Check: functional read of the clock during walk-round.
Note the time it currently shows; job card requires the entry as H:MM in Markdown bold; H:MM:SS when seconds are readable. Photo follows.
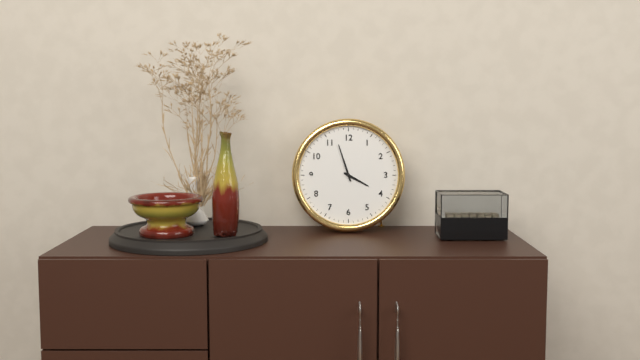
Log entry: **3:57**
